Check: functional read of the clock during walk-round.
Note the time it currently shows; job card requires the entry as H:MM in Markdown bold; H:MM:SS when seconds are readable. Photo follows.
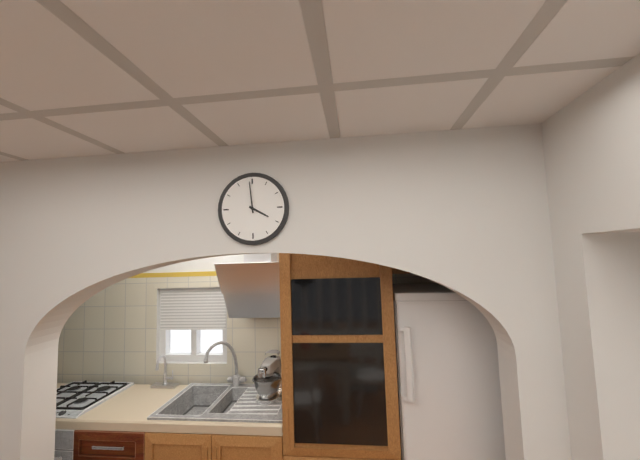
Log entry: **3:59**
